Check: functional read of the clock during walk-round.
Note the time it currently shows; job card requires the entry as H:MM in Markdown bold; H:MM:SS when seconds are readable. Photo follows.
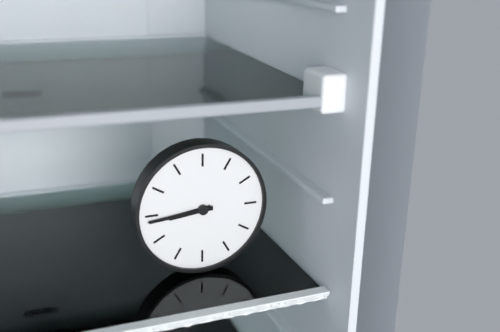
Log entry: **8:44**
